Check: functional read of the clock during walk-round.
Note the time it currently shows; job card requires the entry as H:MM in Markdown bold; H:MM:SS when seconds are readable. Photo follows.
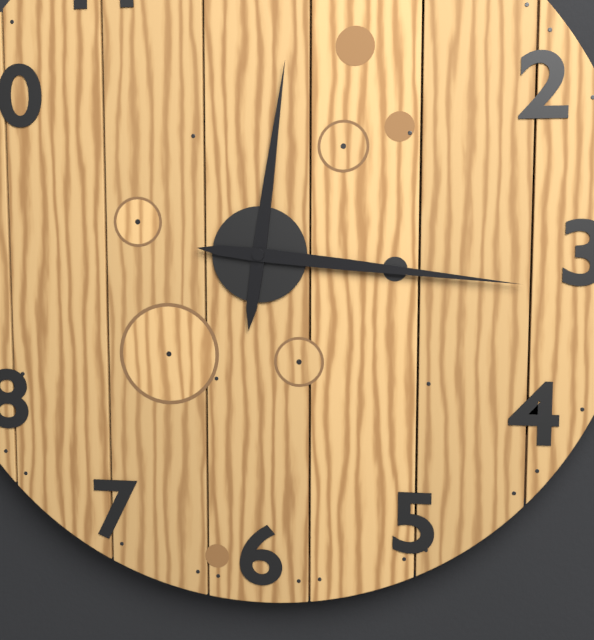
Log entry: **12:16**
